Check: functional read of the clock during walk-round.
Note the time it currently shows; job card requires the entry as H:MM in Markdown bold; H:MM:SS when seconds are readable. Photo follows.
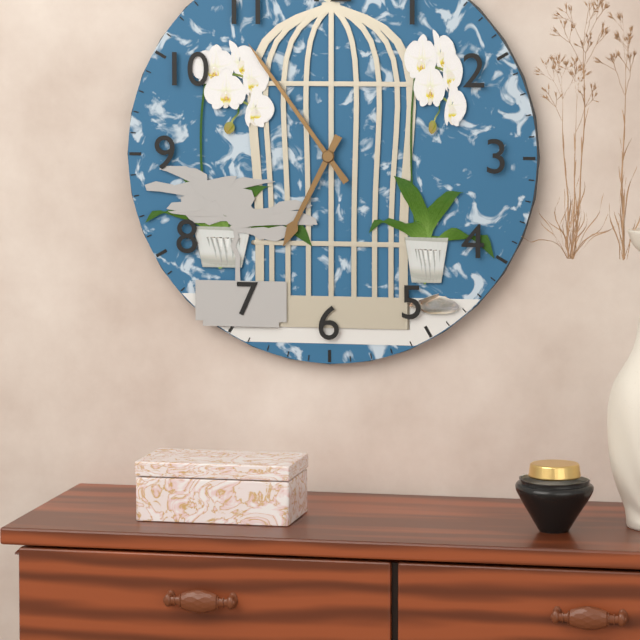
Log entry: **6:54**
